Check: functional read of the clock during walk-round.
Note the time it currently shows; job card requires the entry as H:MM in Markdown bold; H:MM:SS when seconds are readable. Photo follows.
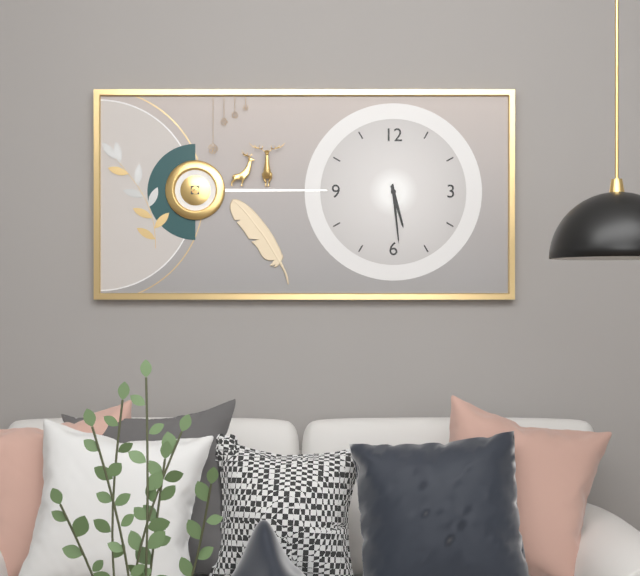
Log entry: **5:29**
